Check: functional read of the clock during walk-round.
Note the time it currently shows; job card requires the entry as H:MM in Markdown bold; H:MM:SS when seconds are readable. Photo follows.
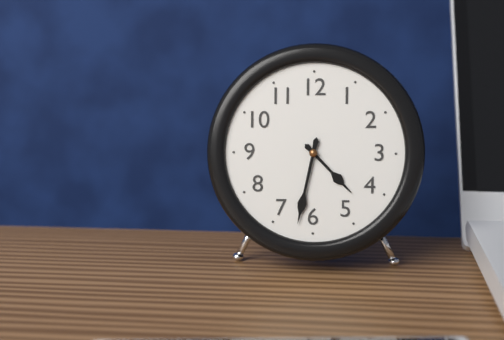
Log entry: **4:32**
